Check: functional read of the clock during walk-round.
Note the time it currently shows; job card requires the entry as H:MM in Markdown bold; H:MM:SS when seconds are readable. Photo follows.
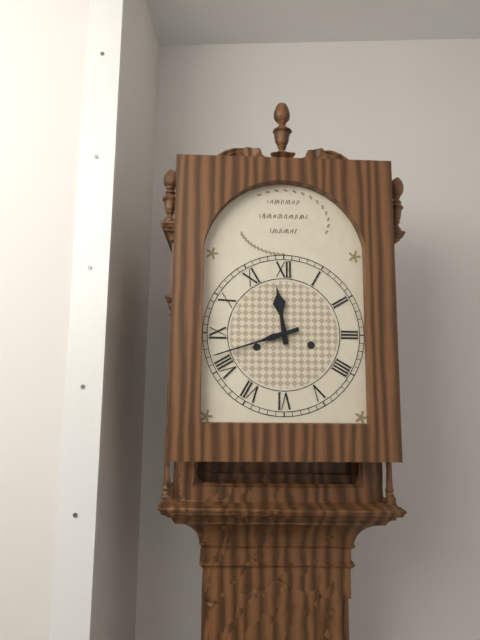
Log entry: **11:42**
